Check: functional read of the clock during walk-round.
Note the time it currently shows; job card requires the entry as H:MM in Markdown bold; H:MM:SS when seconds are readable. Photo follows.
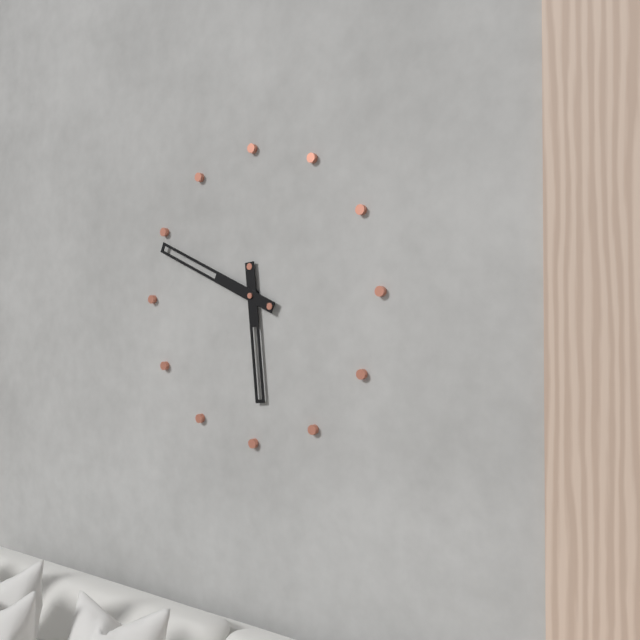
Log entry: **5:49**
